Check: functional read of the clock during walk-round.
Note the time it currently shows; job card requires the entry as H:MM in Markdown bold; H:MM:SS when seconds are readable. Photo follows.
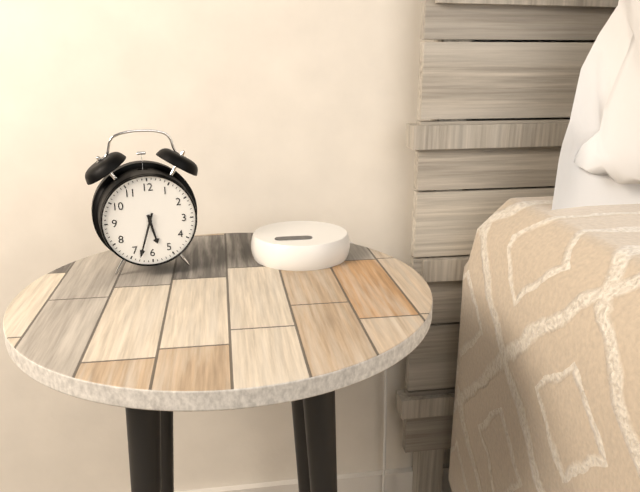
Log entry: **5:33**
